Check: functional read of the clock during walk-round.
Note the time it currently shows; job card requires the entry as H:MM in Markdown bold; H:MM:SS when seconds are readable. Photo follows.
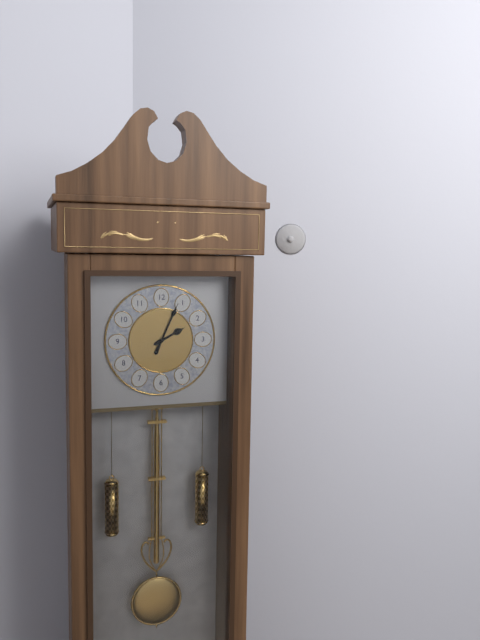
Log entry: **2:04**
